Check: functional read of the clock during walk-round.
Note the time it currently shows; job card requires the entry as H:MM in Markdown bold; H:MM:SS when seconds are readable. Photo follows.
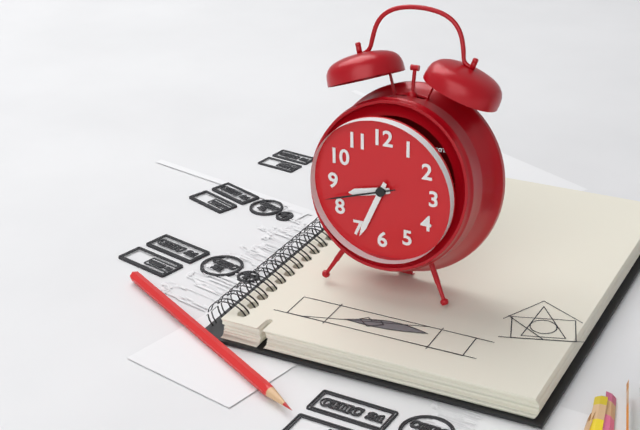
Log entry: **8:34:42**
